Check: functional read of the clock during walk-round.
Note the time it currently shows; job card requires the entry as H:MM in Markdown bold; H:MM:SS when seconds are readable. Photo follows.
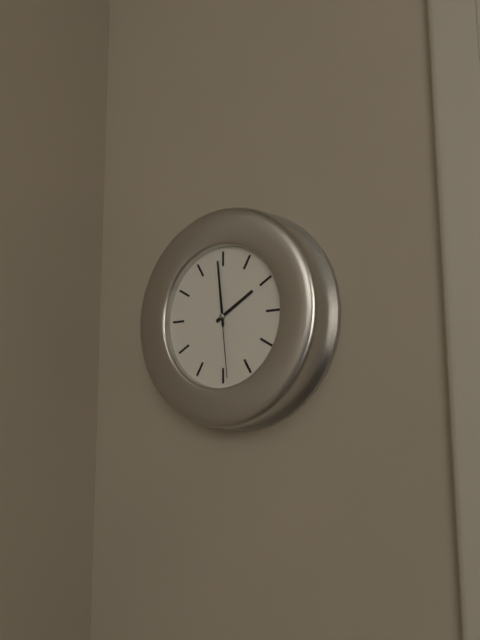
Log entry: **1:59:29**
